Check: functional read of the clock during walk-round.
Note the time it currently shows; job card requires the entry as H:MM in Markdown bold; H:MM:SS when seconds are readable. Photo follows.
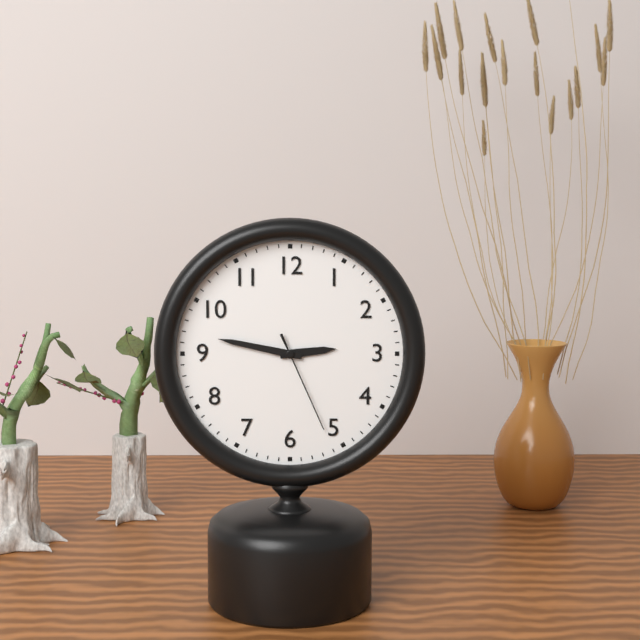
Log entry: **2:47:26**
